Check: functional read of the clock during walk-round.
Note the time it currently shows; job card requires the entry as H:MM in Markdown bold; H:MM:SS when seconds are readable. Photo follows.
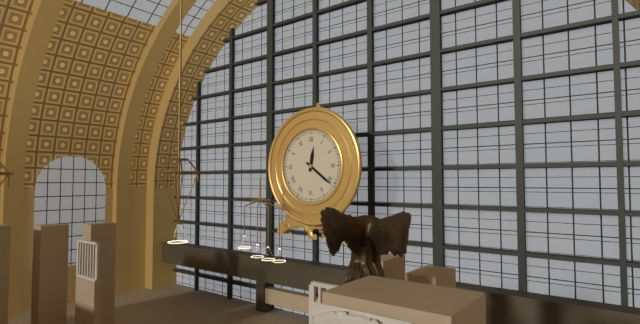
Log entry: **12:21**
